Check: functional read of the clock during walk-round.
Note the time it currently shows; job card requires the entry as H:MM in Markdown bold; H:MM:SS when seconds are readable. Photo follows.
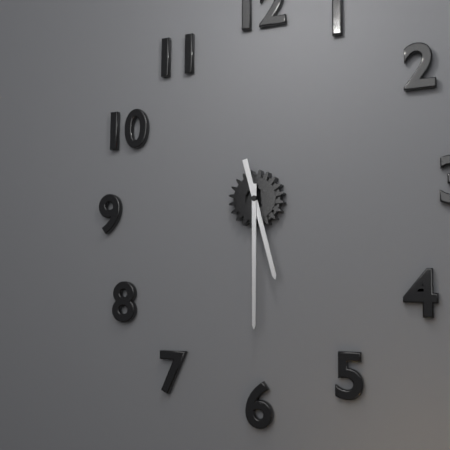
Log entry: **5:30**
